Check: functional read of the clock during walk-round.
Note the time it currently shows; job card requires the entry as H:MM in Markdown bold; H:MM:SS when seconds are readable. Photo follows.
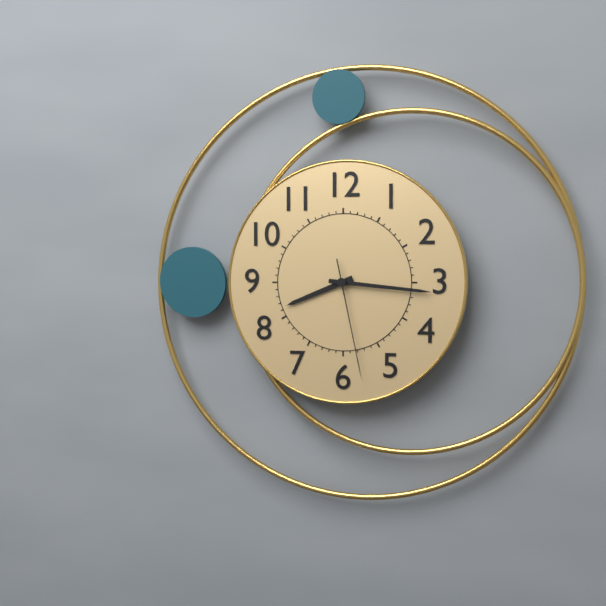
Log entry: **8:16:28**
